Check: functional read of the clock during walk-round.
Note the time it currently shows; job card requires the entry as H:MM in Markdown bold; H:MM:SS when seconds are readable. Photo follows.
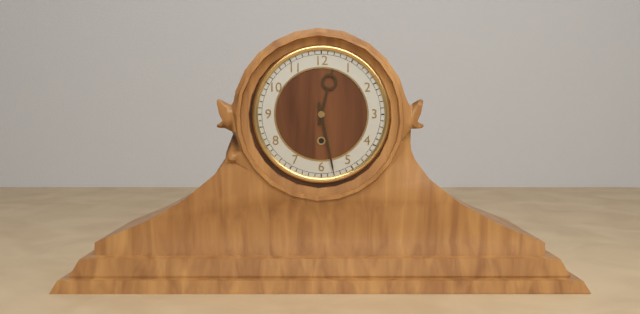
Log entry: **12:28**
